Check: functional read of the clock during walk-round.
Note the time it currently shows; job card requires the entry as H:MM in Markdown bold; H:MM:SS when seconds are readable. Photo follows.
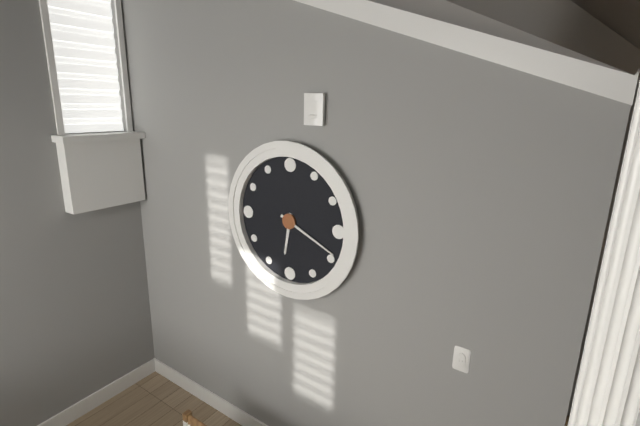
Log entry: **6:19**
